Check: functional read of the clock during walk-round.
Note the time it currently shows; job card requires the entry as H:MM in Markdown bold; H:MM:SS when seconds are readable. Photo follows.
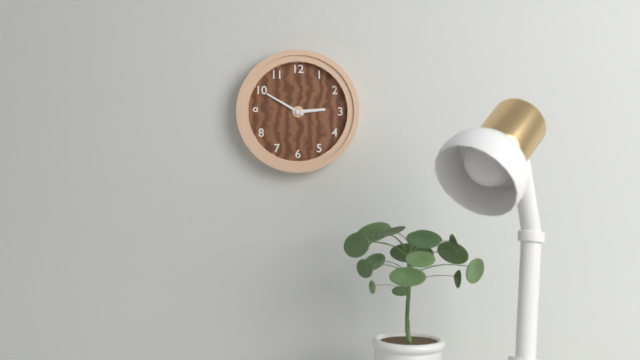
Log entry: **2:50**
